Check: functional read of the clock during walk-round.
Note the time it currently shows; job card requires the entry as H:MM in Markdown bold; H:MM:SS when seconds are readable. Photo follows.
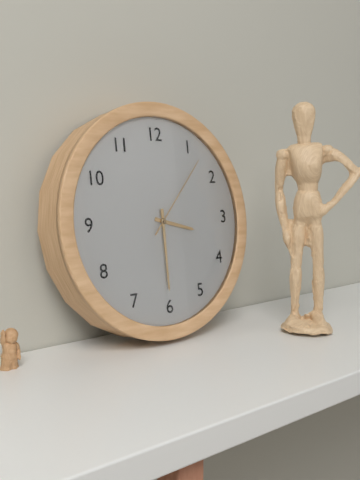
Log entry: **3:30:07**
